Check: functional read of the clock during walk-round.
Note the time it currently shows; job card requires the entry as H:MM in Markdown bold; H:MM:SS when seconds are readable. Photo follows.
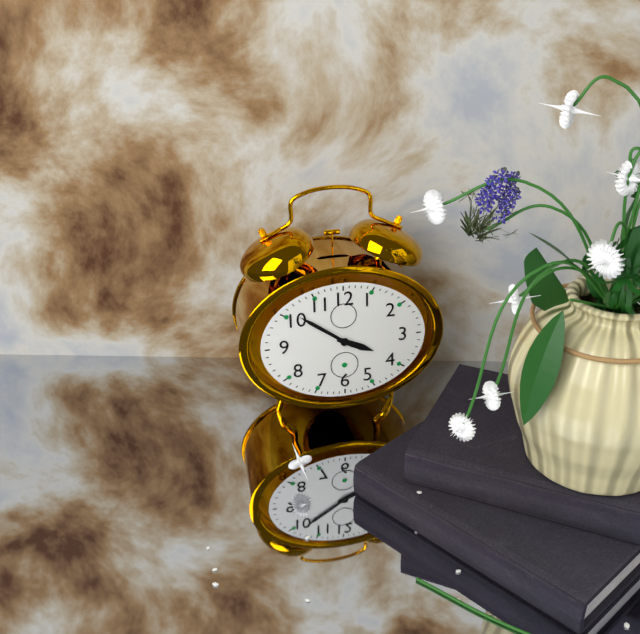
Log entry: **3:51**
